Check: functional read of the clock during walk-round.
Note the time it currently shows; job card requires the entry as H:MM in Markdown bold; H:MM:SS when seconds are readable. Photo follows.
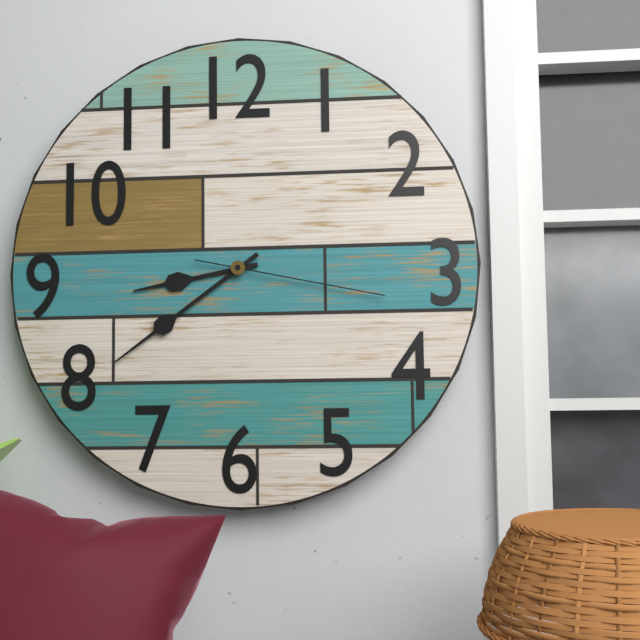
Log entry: **8:39:17**
